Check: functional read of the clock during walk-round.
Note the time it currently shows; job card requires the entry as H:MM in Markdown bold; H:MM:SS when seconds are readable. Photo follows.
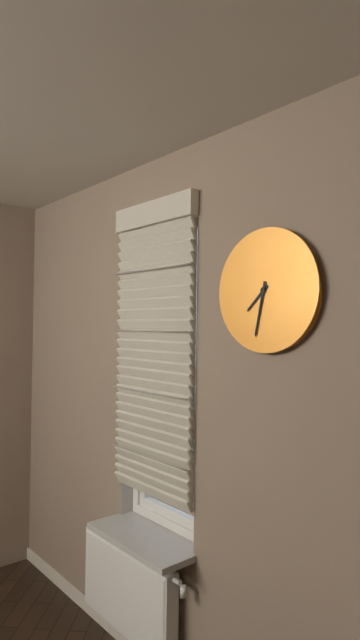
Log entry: **7:32**
